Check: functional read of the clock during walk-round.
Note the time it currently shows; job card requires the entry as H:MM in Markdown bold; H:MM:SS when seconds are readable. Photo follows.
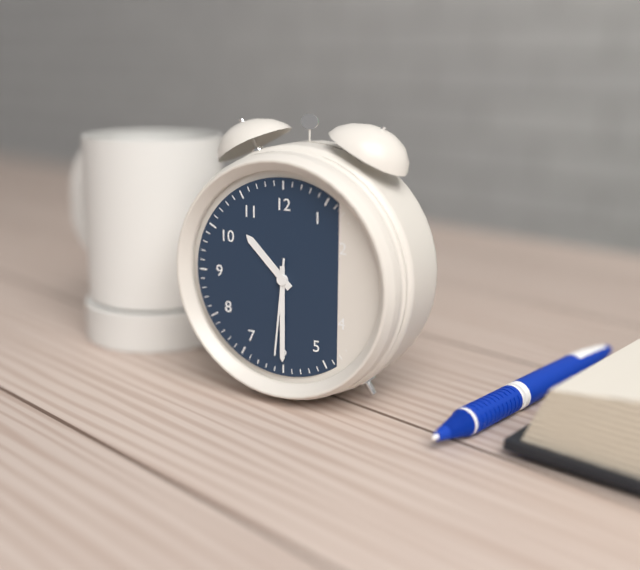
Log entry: **10:30:31**
